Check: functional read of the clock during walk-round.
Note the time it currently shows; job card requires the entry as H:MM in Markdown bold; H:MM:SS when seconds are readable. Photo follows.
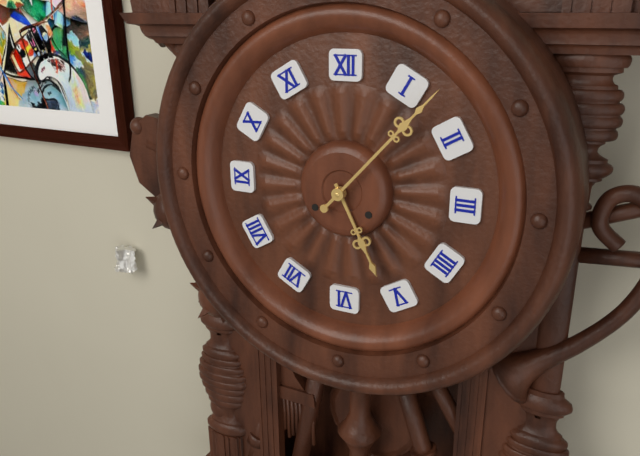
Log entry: **5:07**
